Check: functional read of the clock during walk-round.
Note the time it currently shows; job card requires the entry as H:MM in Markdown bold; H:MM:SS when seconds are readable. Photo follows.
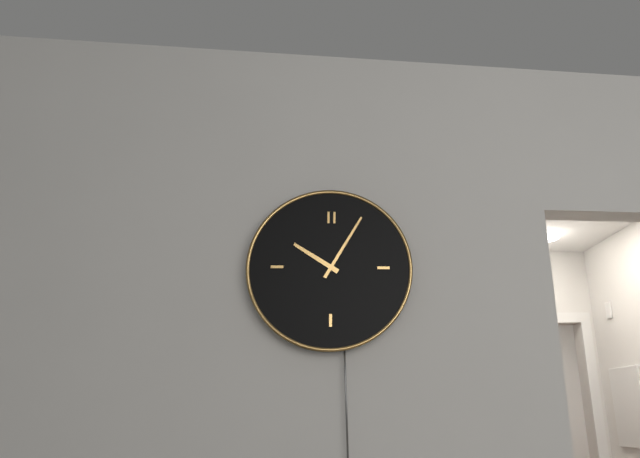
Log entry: **10:05**
